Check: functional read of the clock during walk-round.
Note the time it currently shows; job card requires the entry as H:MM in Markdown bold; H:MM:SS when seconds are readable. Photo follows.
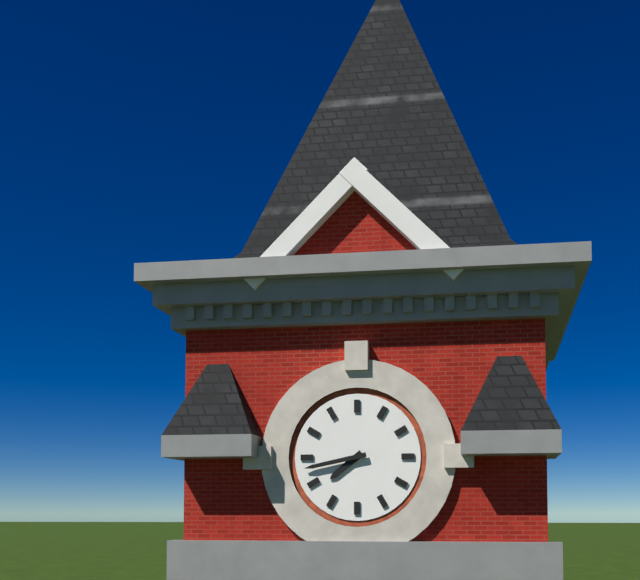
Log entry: **7:43**
